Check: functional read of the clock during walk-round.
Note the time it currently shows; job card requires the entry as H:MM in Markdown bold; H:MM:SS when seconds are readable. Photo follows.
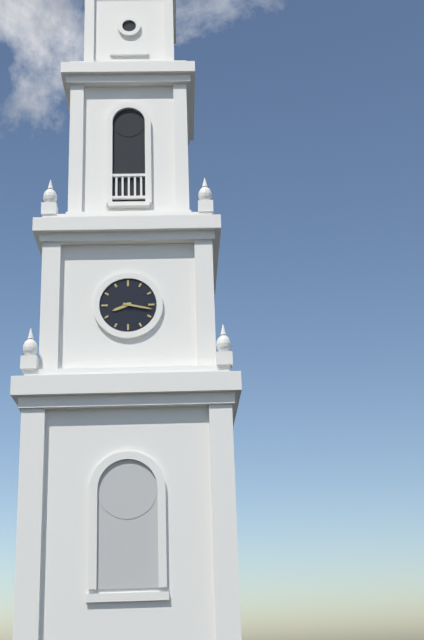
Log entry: **8:17**
